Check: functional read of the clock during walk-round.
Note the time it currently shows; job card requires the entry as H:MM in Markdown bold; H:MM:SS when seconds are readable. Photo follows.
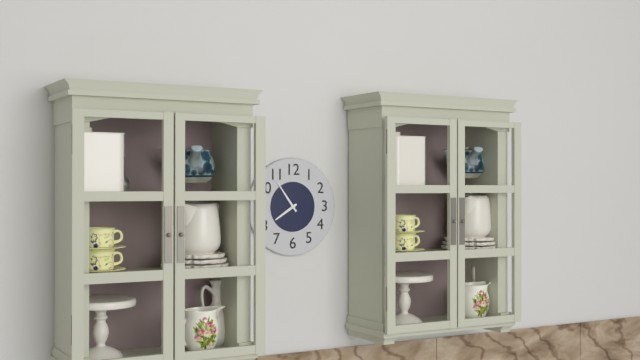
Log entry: **7:54**
